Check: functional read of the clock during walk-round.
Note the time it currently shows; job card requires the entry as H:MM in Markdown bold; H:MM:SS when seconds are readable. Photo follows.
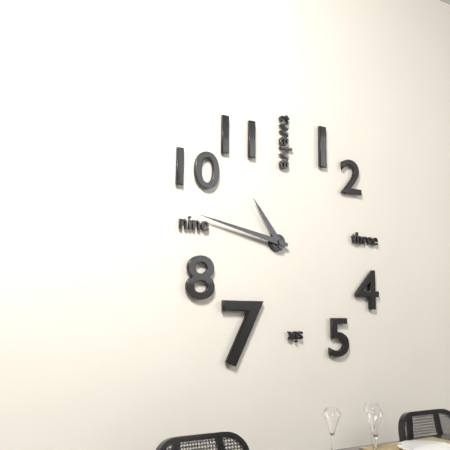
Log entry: **10:47**
